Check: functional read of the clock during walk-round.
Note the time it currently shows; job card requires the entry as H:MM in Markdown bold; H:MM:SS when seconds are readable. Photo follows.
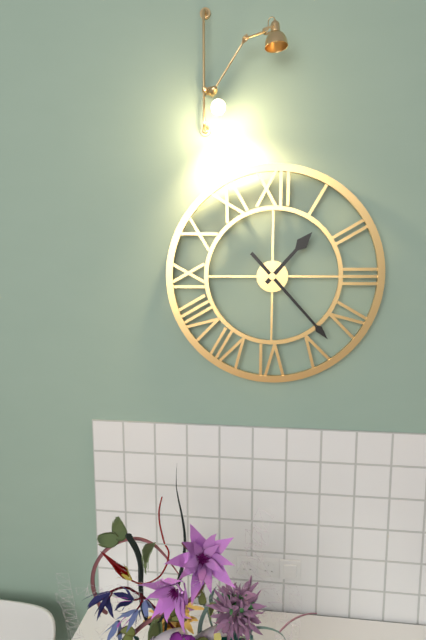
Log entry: **1:23**
